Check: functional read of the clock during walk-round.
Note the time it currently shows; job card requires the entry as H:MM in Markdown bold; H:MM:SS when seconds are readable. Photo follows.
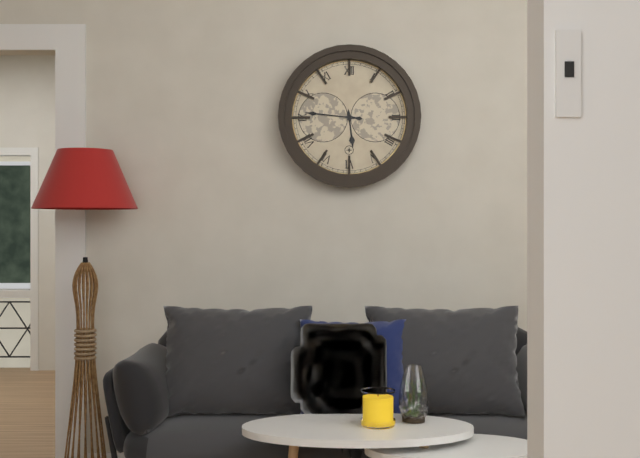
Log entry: **5:46**
